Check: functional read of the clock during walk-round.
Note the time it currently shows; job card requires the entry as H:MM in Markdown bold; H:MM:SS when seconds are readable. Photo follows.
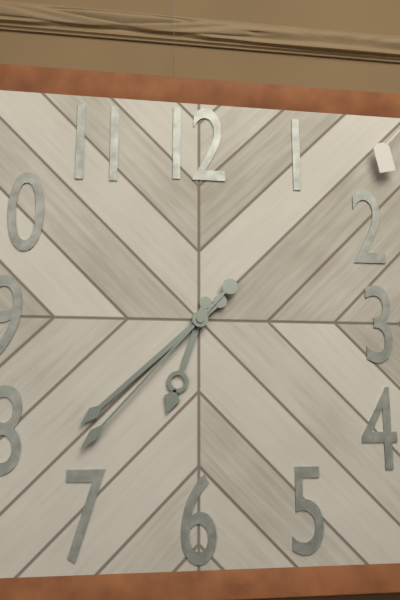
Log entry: **6:38:37**
